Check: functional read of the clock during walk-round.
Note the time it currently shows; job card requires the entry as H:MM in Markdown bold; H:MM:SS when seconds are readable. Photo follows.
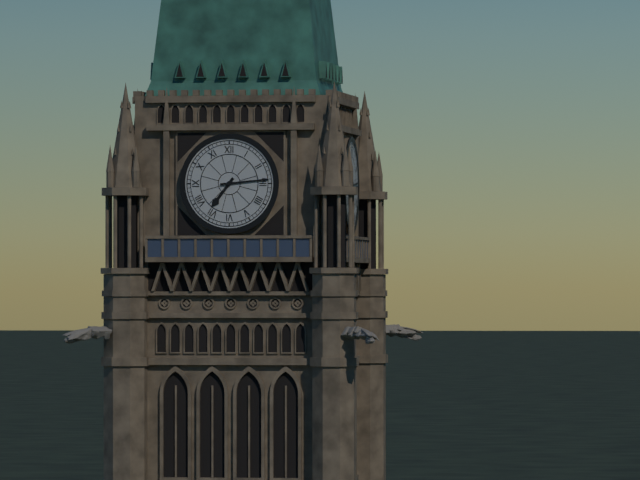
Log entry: **7:14**
